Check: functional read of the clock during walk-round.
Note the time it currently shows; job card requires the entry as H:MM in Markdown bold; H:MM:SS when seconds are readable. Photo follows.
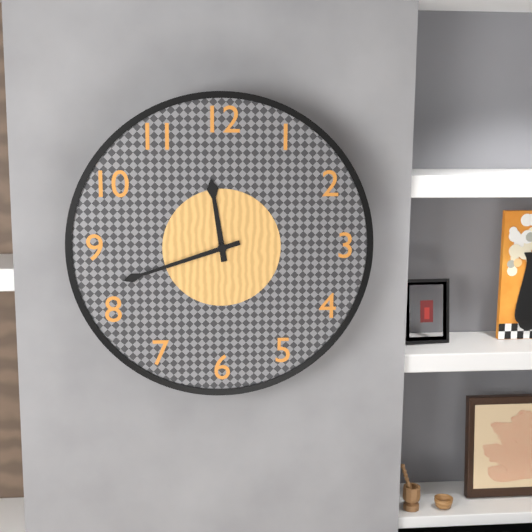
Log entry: **11:42**
